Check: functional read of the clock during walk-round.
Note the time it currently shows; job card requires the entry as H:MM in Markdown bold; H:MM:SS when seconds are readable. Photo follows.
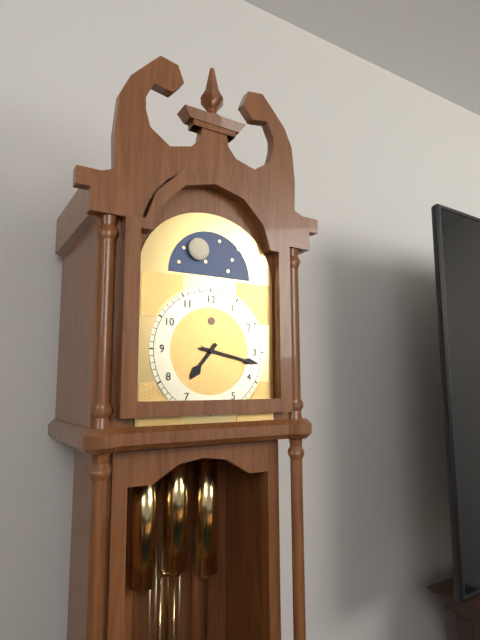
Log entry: **7:17**
